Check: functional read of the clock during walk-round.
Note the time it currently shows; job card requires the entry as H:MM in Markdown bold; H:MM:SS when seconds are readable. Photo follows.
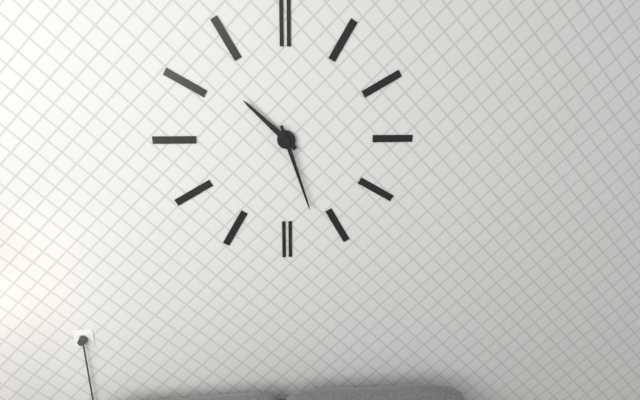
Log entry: **10:27**
